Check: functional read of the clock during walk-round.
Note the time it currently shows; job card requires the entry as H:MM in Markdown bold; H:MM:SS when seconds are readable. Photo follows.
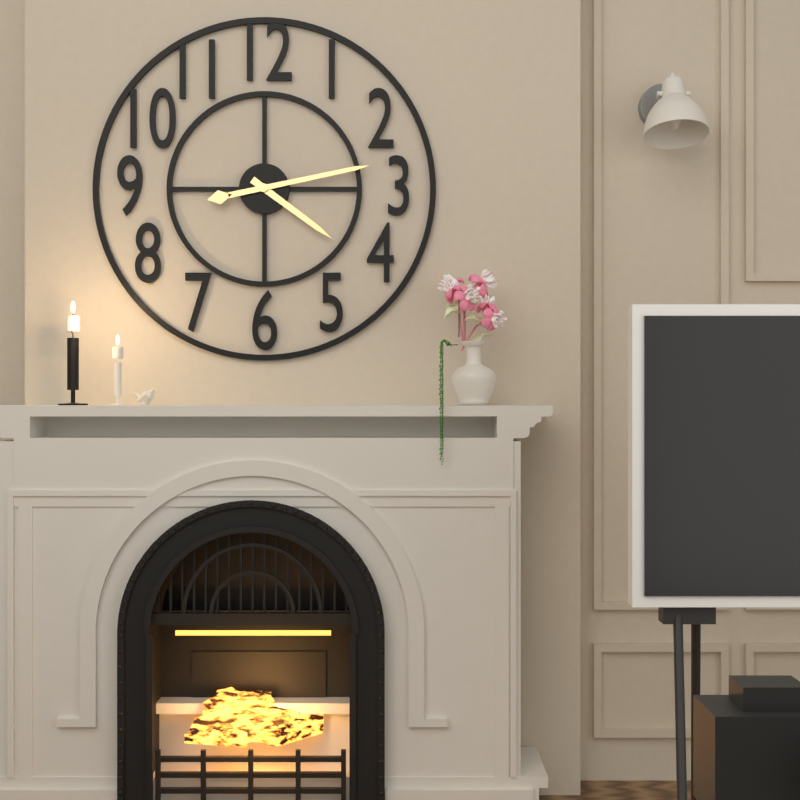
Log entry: **4:13**
